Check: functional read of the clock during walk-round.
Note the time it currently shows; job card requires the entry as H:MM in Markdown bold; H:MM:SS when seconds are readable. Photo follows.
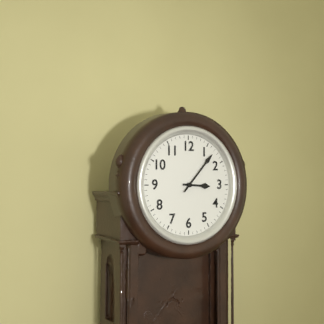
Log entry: **3:07**
